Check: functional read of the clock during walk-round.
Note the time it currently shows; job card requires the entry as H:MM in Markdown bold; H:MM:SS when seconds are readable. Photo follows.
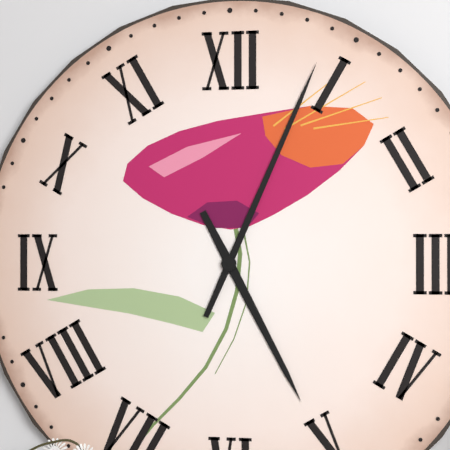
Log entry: **5:04**
